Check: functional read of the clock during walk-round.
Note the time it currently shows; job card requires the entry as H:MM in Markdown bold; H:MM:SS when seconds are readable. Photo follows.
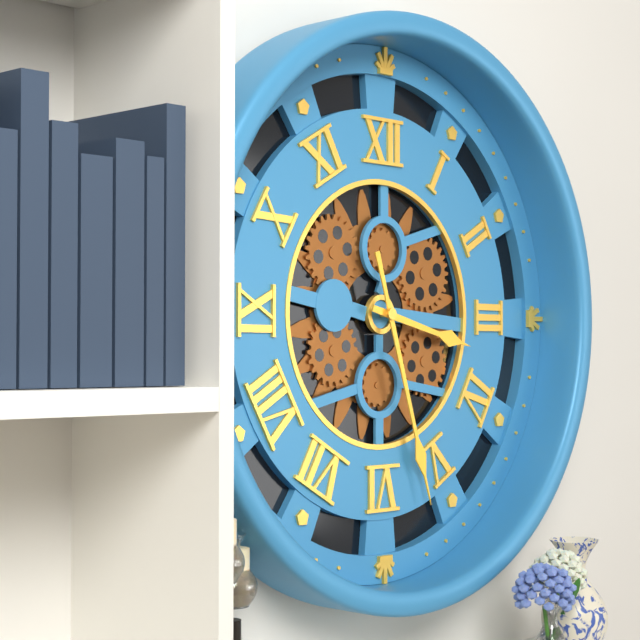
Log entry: **3:27**
